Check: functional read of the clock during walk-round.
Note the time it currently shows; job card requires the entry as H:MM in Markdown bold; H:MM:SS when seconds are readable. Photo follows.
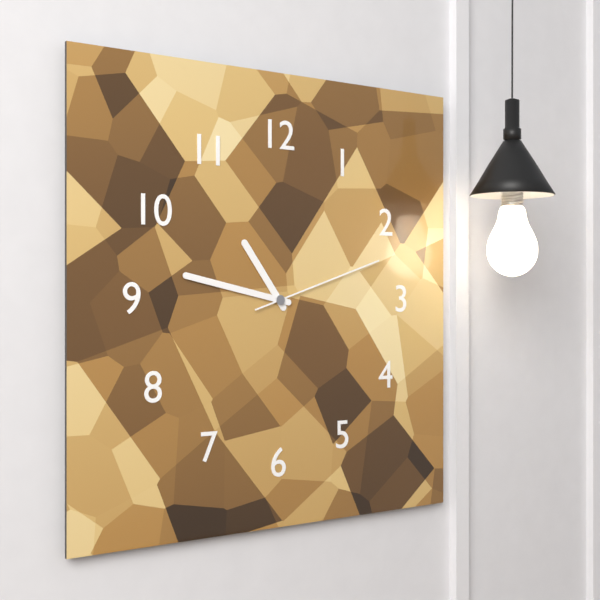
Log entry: **10:47:12**
